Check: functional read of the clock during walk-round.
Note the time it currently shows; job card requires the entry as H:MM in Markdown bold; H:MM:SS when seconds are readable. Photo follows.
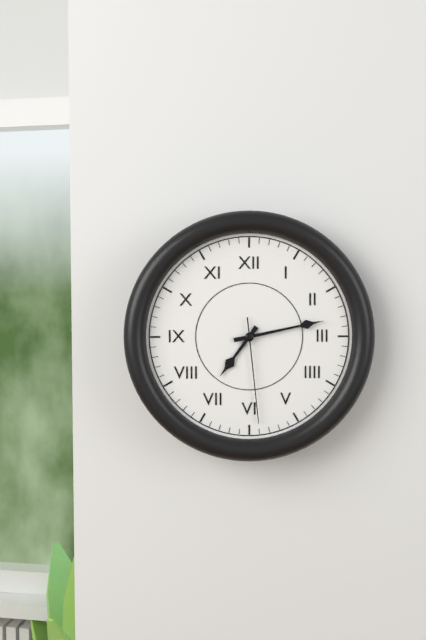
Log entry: **7:13:29**
